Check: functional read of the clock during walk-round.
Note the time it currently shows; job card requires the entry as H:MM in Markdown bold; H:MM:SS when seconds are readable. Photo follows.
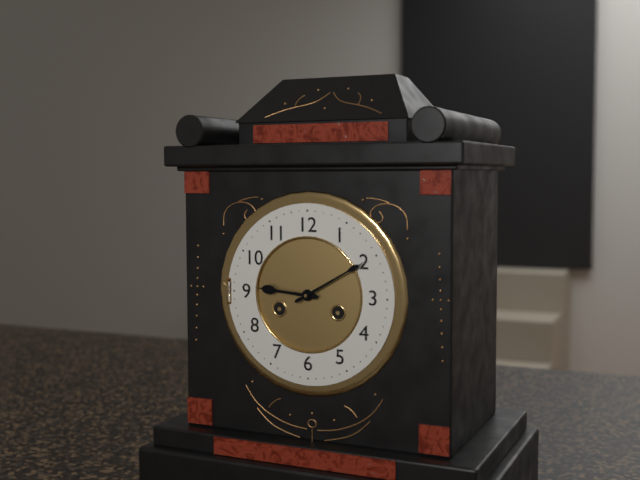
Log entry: **9:10**
